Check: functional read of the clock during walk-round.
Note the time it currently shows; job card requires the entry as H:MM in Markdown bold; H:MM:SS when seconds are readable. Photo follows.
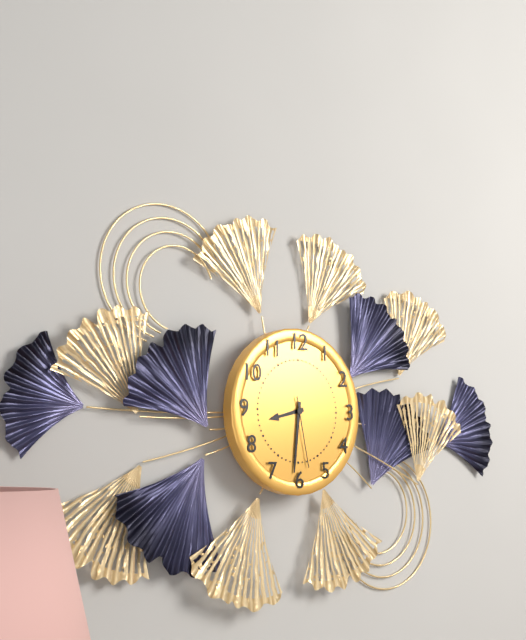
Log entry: **8:31:28**
